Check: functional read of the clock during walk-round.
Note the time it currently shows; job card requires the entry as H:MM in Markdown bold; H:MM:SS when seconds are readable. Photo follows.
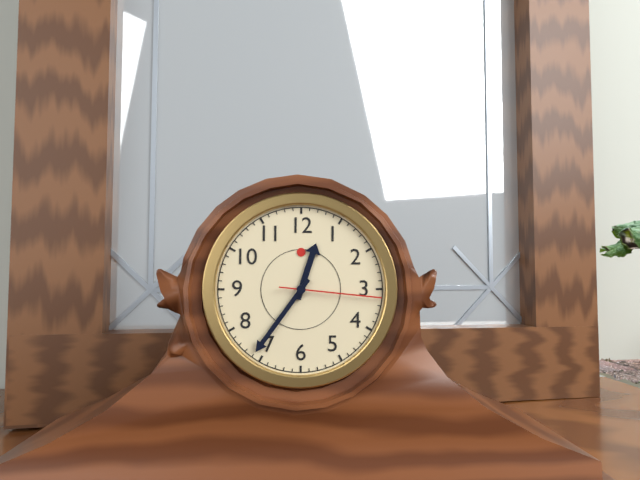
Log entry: **12:36:16**
